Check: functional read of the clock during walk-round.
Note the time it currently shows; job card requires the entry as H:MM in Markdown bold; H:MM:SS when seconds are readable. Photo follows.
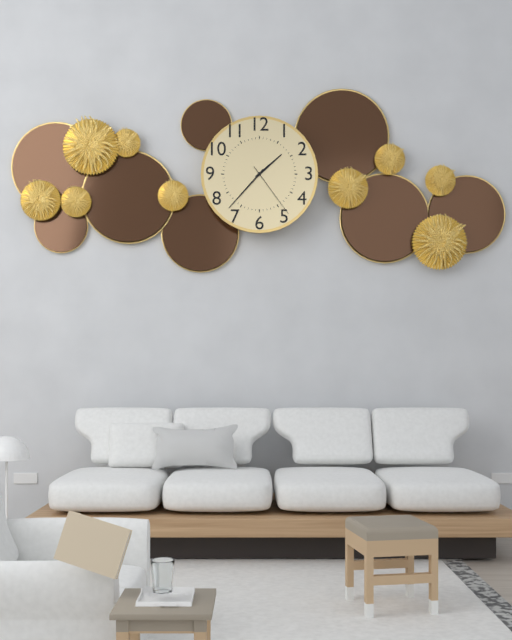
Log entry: **1:37:24**
